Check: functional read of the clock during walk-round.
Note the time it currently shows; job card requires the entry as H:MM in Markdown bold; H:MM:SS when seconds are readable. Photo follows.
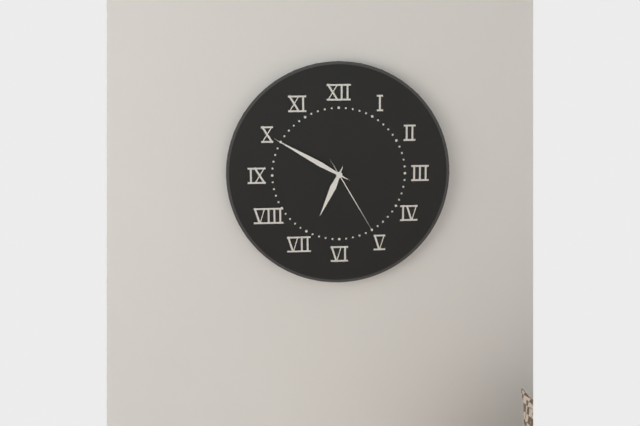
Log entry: **6:50:25**
